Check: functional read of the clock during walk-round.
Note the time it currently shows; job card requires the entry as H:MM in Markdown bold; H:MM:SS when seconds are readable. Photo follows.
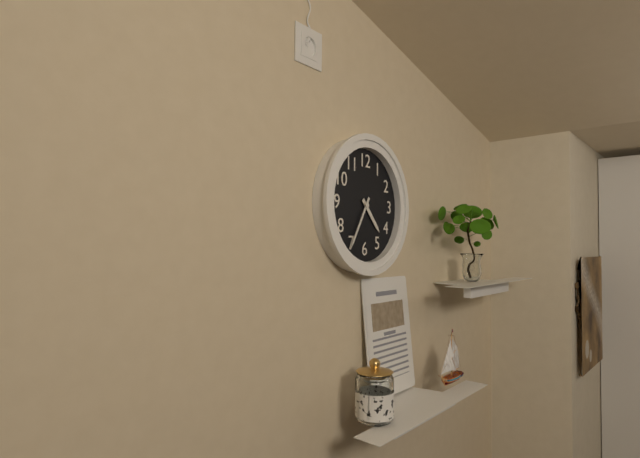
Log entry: **4:35**
